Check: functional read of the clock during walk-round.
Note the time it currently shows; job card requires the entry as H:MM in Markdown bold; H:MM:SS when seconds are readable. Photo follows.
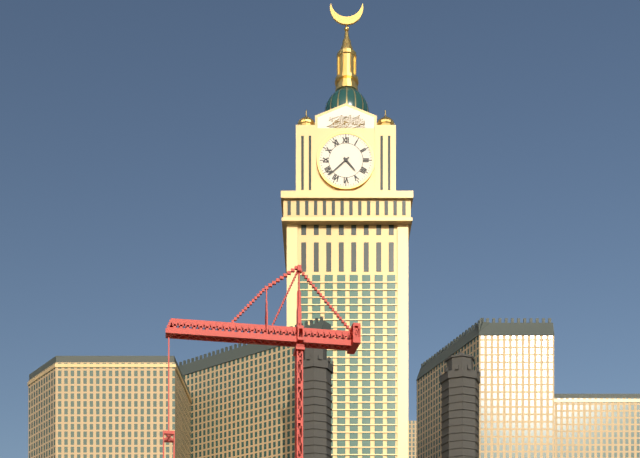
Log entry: **4:38**
